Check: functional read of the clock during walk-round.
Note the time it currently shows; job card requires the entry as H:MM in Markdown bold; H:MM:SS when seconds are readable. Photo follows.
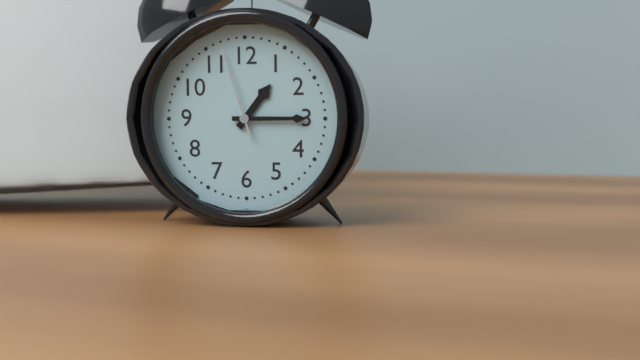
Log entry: **1:15:57**
